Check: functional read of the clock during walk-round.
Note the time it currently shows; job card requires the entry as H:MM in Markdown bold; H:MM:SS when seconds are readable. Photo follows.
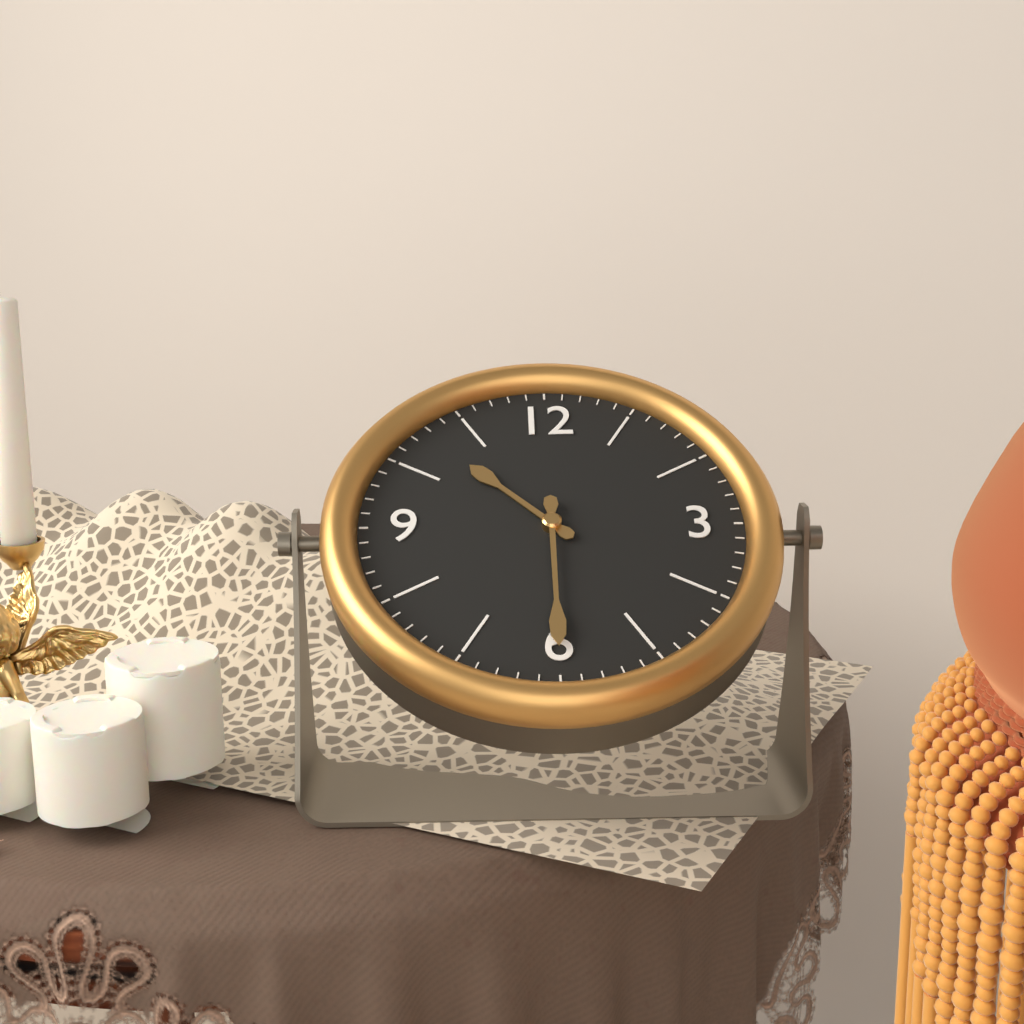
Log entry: **10:30**
